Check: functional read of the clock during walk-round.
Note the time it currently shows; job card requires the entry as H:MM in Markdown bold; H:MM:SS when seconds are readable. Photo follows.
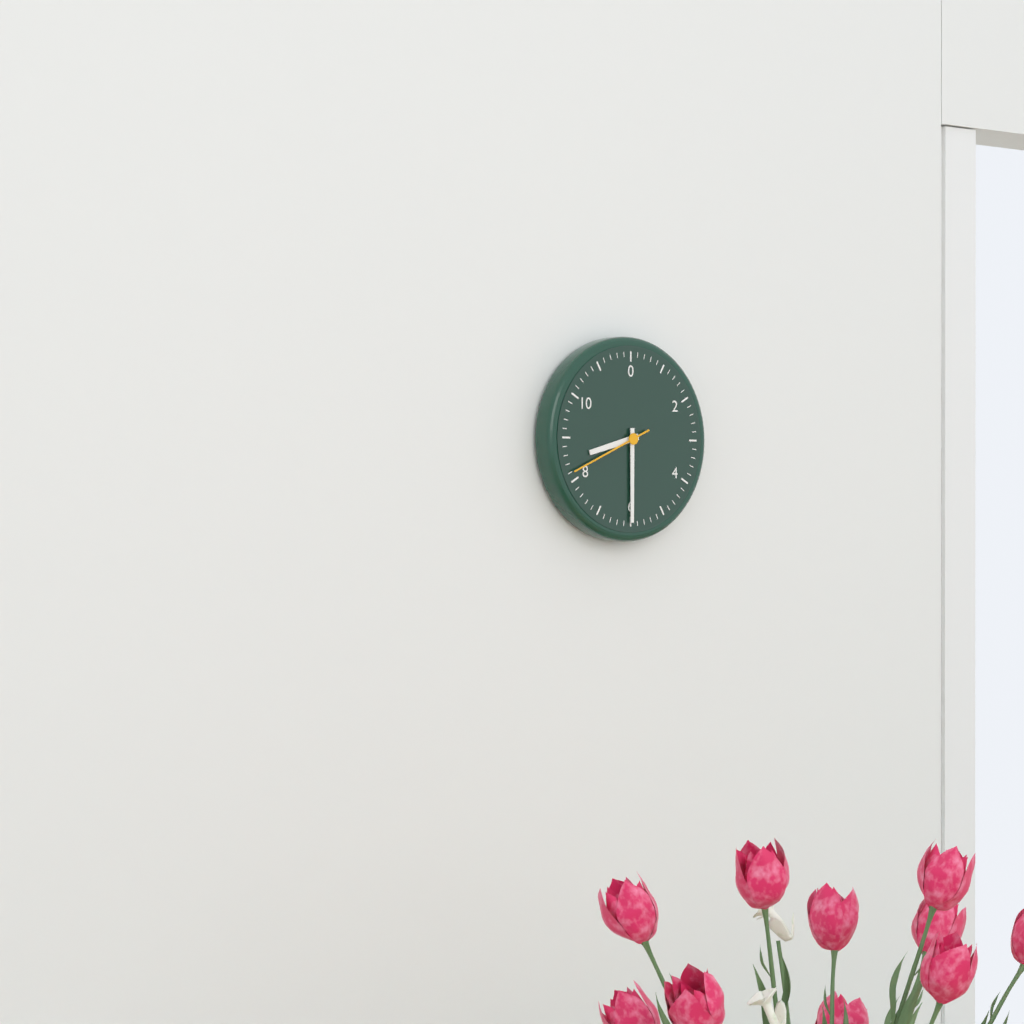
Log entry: **8:30:41**
